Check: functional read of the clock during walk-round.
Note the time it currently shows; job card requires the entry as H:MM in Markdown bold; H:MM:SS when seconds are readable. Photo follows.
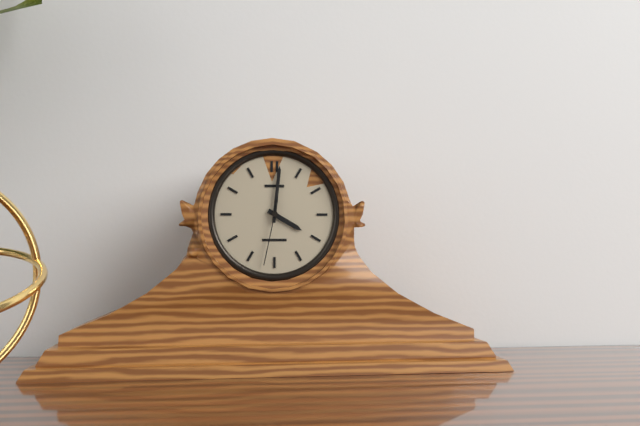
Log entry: **4:01:32**
